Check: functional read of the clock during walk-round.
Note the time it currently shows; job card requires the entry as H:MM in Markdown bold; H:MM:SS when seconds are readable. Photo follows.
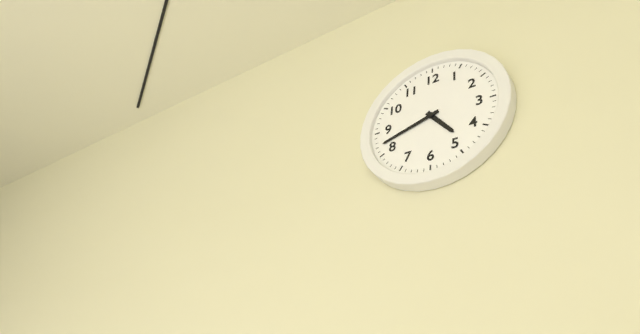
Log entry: **4:42**
